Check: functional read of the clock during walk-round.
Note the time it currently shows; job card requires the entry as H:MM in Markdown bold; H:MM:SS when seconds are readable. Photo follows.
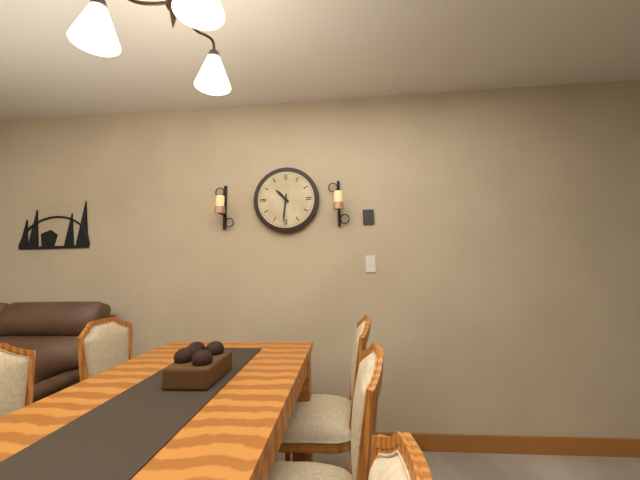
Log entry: **10:31**
